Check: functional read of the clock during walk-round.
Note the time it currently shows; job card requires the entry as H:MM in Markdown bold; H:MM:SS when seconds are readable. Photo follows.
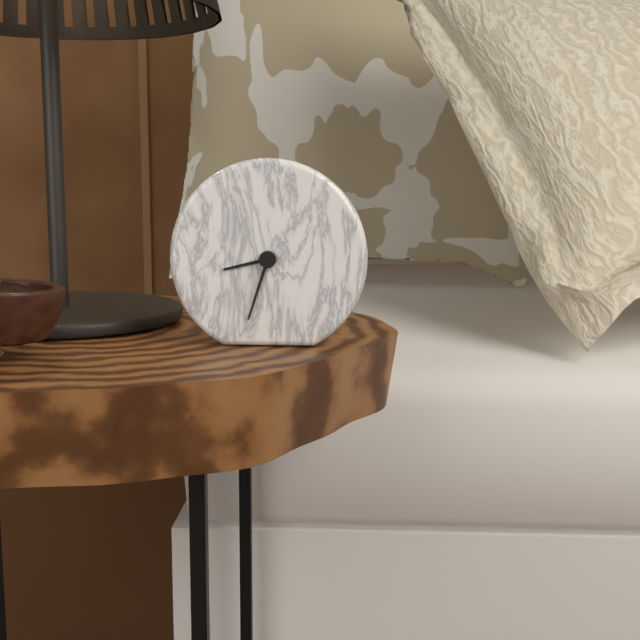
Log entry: **8:33**
